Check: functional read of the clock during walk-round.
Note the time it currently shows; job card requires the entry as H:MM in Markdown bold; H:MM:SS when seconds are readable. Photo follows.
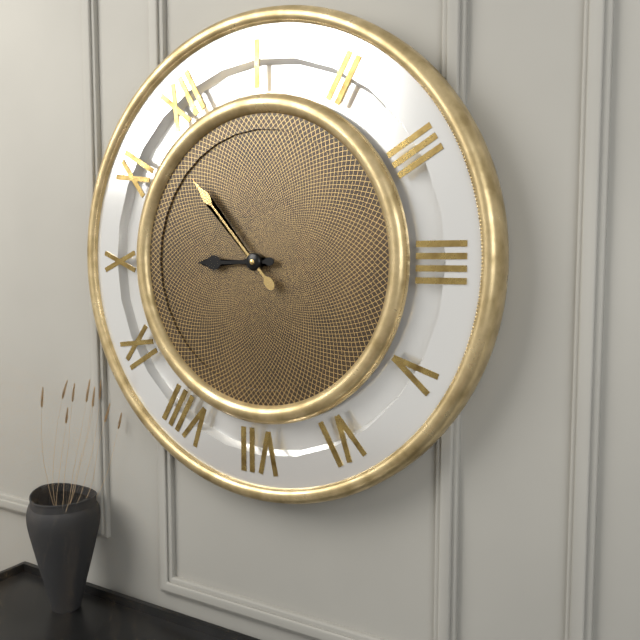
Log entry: **9:58**
